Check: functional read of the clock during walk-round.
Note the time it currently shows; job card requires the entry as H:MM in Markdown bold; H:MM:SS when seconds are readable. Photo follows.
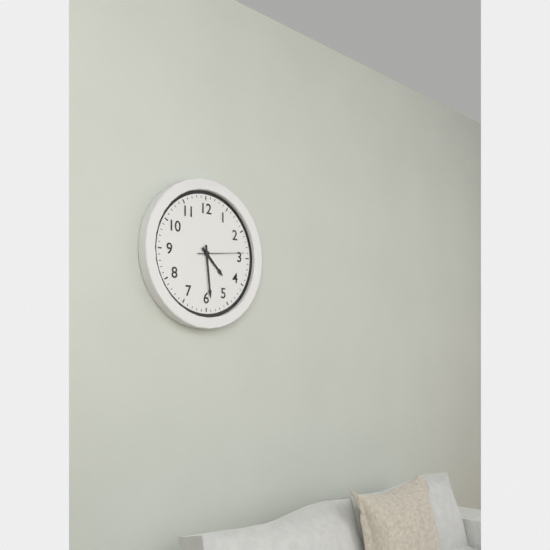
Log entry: **4:29**
